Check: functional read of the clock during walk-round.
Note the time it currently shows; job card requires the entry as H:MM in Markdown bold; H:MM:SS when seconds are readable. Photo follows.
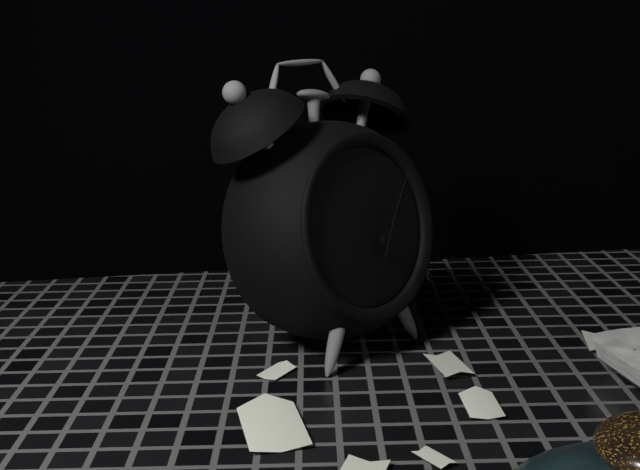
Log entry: **4:04**
